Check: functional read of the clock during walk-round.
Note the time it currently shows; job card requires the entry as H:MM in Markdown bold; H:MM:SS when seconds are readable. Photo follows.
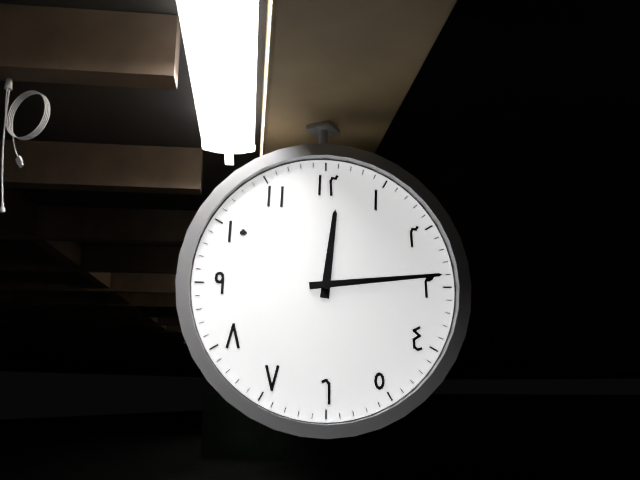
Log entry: **12:14**
